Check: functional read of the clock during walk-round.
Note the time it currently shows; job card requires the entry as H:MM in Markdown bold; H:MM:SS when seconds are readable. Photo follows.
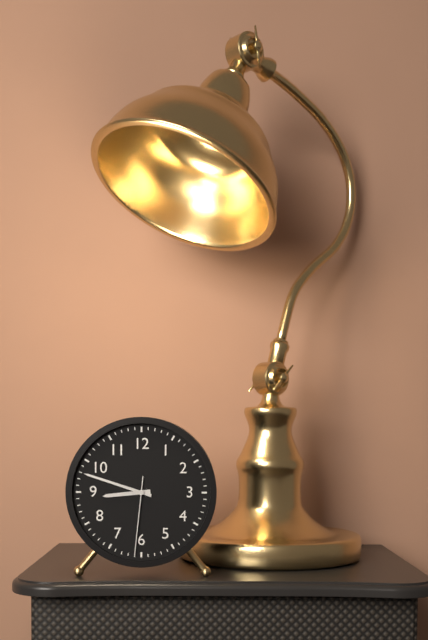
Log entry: **8:48:31**
